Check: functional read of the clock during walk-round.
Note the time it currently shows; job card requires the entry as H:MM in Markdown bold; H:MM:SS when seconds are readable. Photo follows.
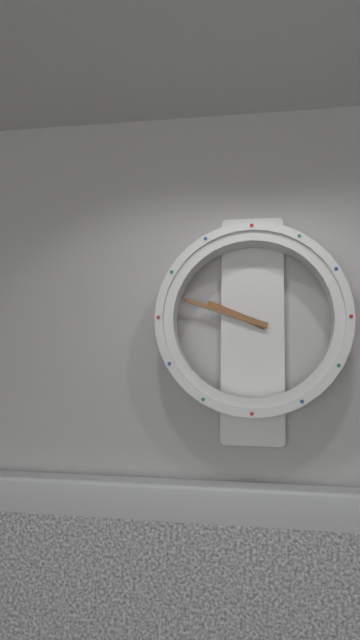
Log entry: **9:48**
